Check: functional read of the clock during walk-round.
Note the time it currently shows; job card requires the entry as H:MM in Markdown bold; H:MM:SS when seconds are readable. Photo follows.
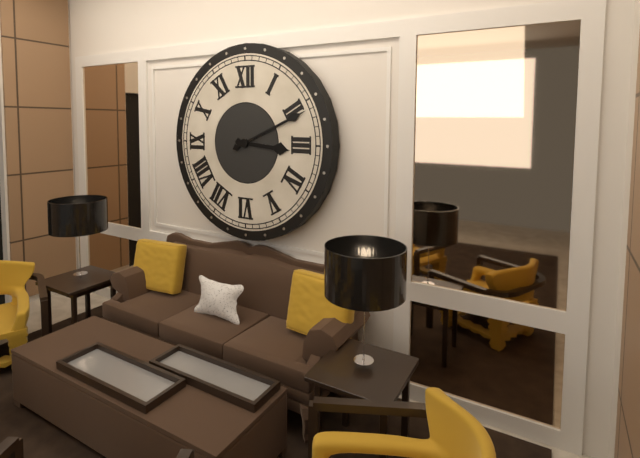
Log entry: **3:11**
